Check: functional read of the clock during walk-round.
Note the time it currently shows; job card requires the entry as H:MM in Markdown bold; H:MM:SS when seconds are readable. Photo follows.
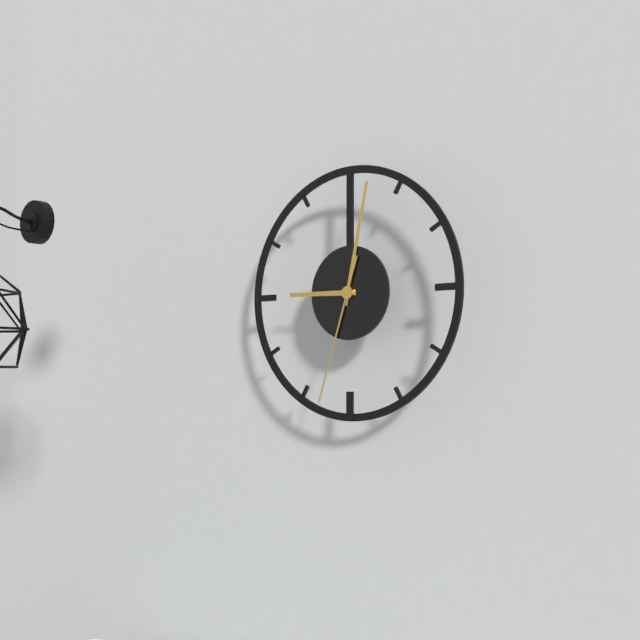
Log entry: **9:02:33**
